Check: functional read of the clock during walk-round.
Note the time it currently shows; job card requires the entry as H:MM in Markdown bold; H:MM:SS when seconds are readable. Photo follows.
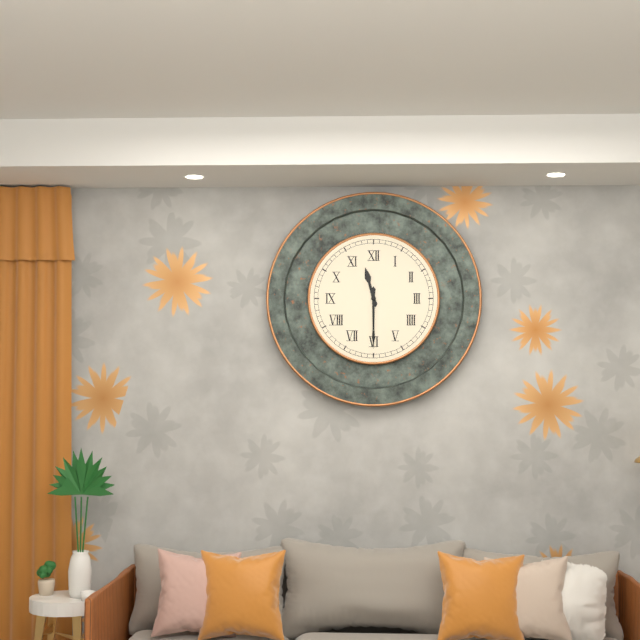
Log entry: **11:30**
